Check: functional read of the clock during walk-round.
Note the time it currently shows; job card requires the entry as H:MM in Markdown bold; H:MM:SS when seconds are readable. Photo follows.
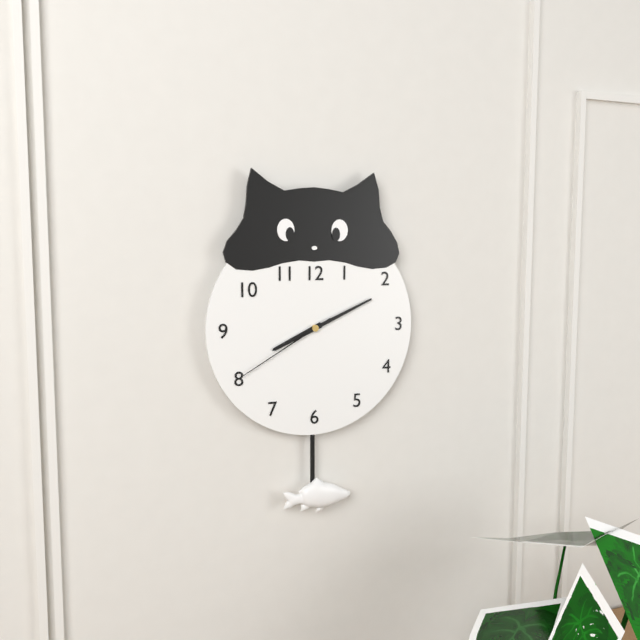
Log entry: **8:11:40**
